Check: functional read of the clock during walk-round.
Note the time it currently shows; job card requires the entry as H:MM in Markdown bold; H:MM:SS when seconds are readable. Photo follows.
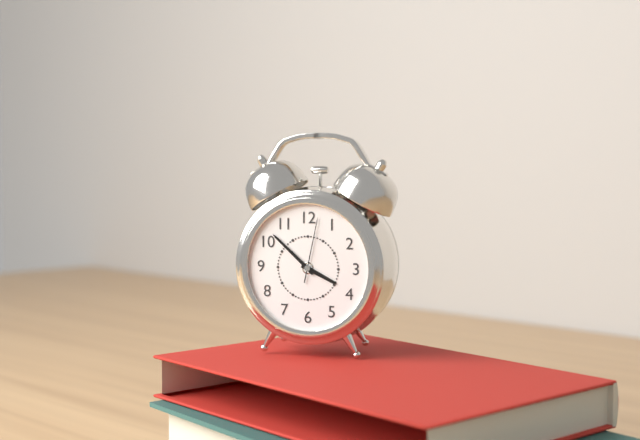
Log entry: **3:52:02**
